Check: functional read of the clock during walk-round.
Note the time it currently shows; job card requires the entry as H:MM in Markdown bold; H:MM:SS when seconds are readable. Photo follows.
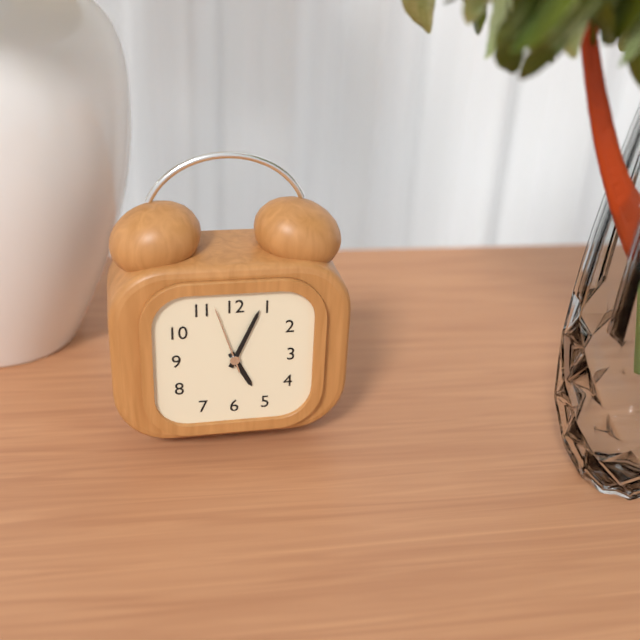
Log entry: **5:04:57**
